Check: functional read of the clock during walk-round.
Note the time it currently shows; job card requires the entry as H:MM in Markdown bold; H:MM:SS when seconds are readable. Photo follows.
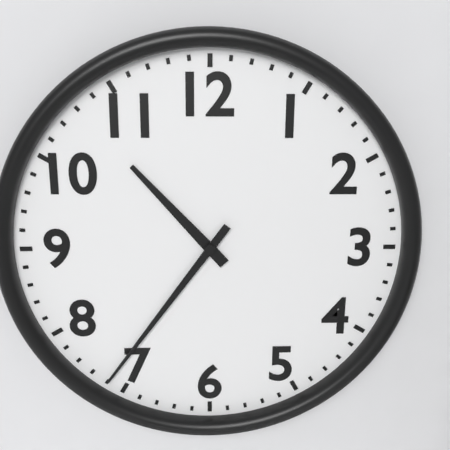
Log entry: **10:36**
